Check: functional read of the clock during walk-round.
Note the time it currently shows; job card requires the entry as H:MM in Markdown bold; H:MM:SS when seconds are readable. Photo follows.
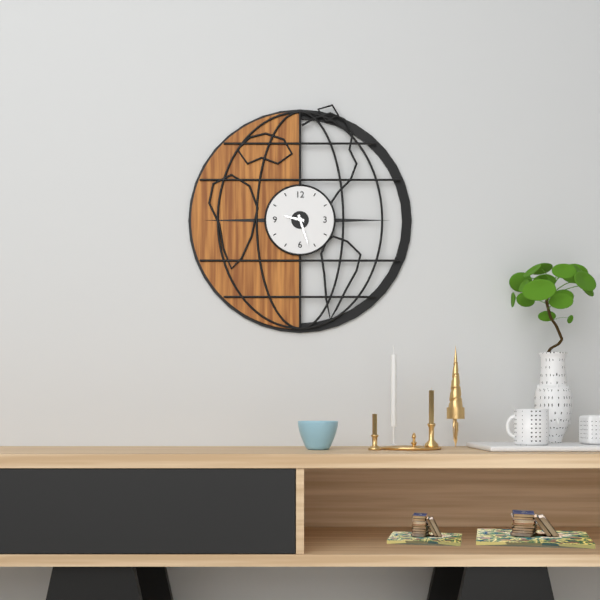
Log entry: **9:27**
